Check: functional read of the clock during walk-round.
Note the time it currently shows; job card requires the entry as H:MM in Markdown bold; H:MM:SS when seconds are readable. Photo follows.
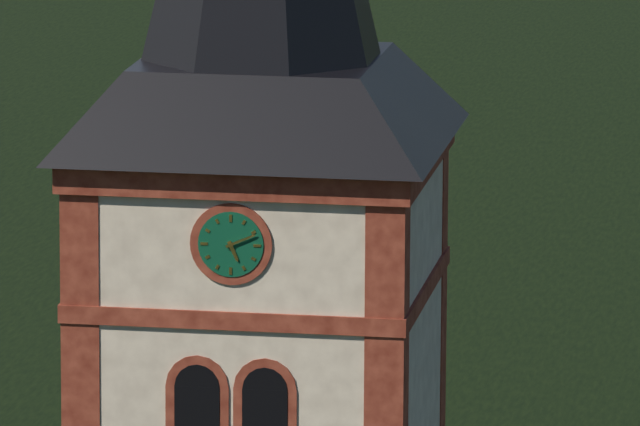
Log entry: **5:11**
